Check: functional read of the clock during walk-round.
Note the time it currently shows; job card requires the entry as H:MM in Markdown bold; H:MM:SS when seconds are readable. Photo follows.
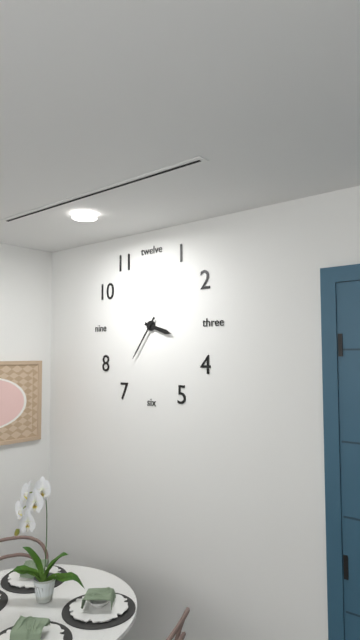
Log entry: **3:36**
